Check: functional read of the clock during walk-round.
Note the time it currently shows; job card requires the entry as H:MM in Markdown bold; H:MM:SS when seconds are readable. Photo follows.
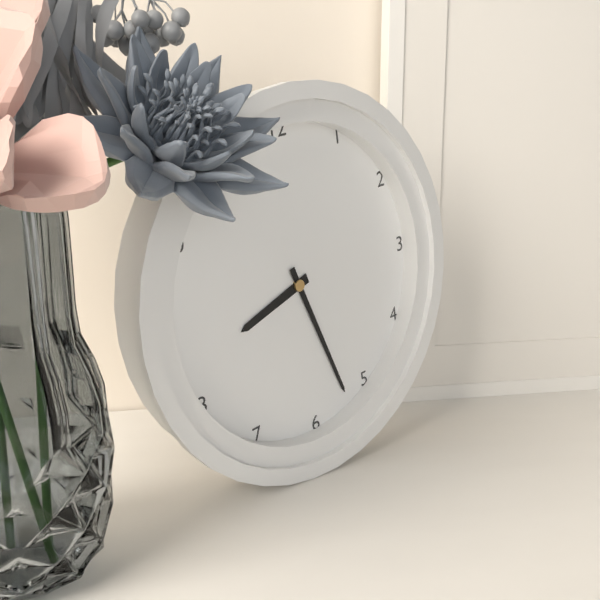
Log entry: **8:27**
